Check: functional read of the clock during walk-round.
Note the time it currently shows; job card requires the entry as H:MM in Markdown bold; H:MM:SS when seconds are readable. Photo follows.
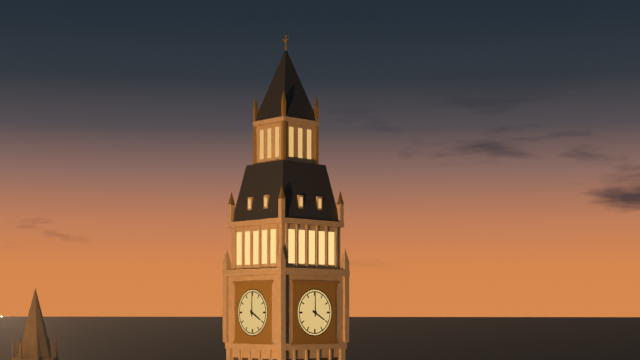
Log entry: **4:00**
